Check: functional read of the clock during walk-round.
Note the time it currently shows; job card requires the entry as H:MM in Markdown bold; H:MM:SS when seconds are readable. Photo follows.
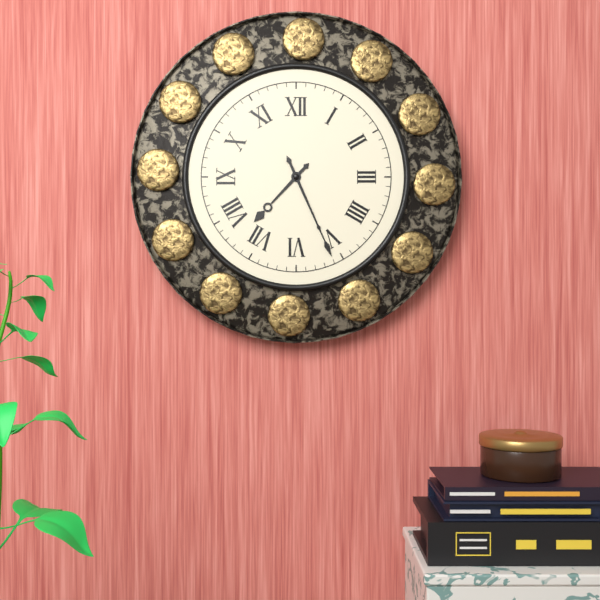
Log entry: **7:26**
